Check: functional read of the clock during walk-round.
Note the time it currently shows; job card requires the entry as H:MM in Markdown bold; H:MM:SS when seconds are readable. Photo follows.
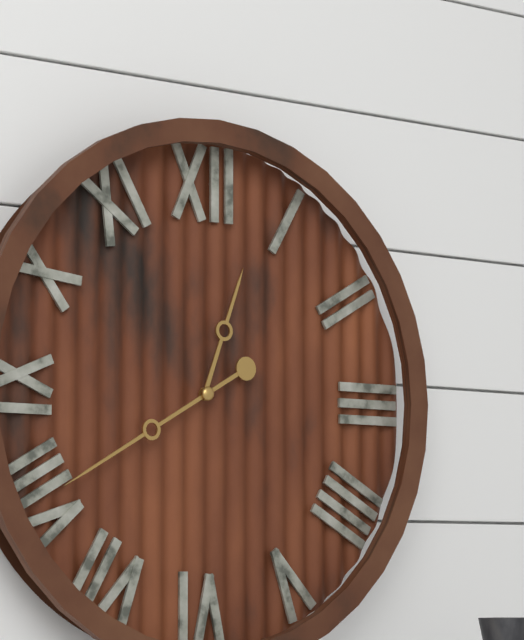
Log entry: **12:40**
